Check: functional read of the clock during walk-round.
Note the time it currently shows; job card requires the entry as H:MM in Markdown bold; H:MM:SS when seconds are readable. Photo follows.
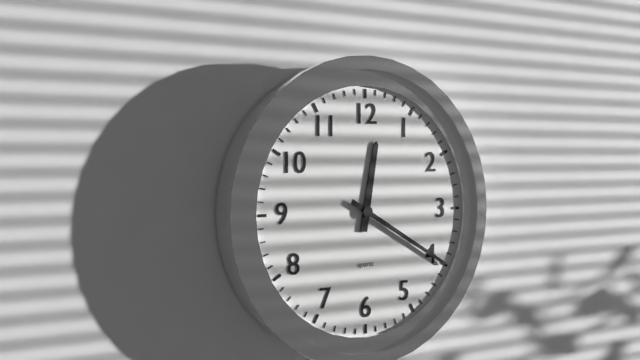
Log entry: **12:20**
